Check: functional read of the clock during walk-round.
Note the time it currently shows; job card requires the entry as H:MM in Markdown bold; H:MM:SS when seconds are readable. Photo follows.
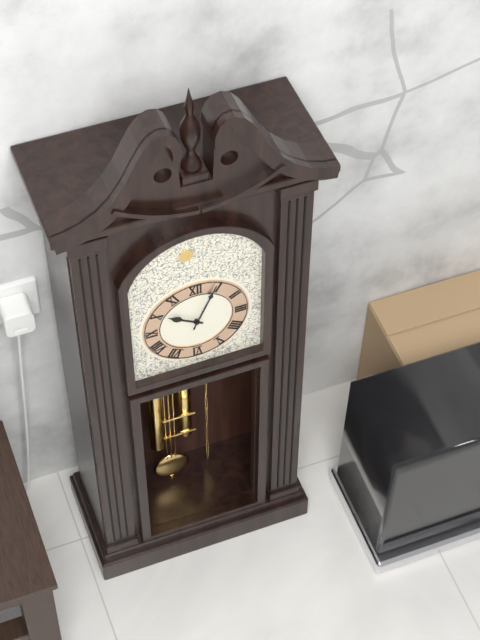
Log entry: **10:04**
